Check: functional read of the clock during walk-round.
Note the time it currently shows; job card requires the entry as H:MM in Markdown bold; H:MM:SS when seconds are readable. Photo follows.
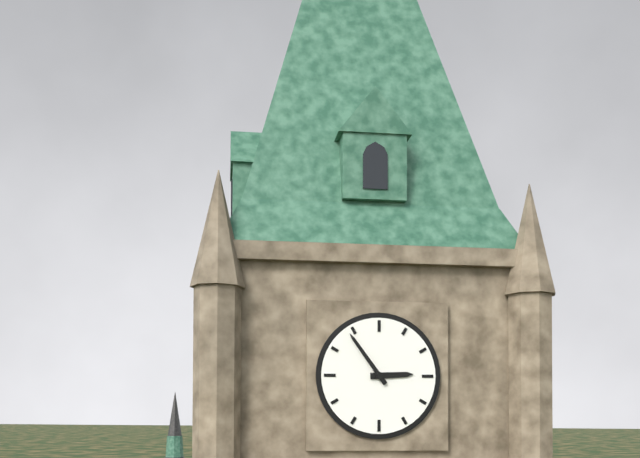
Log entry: **2:54**
